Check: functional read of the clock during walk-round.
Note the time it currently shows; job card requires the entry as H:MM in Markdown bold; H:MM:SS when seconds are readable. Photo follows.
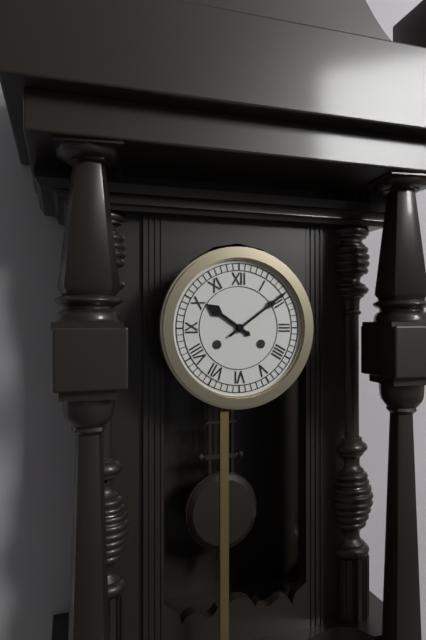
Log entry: **10:09**
